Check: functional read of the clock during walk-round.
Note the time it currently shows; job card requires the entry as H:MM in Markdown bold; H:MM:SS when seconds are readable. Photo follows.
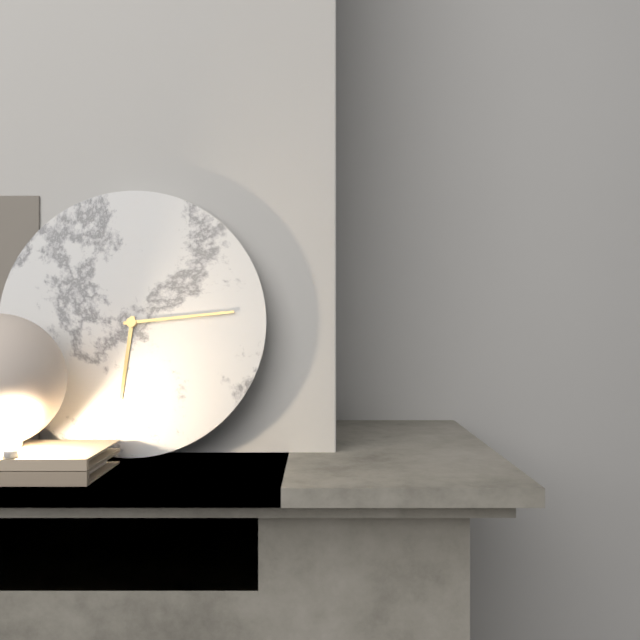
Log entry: **6:14**
